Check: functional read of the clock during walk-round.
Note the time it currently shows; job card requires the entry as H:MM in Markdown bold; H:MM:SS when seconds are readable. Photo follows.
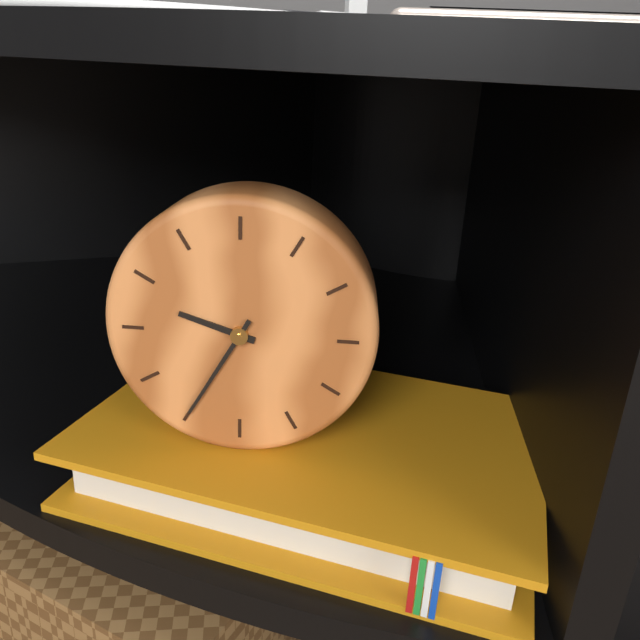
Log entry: **9:35**
